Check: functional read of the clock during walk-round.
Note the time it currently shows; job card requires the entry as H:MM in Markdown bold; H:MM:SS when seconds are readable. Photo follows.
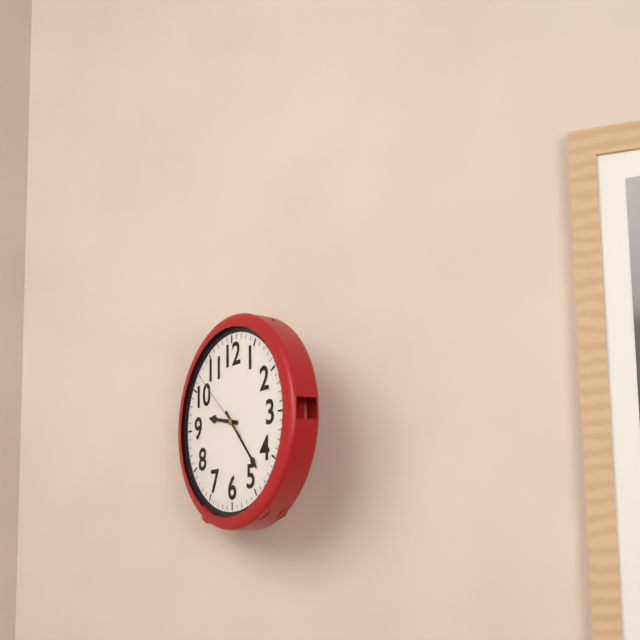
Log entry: **9:23:52**
